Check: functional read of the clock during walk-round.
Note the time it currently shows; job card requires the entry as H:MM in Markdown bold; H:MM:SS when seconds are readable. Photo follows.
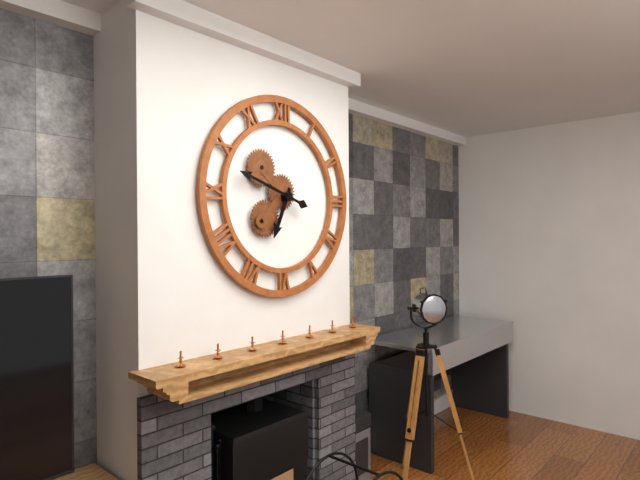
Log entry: **6:48**
